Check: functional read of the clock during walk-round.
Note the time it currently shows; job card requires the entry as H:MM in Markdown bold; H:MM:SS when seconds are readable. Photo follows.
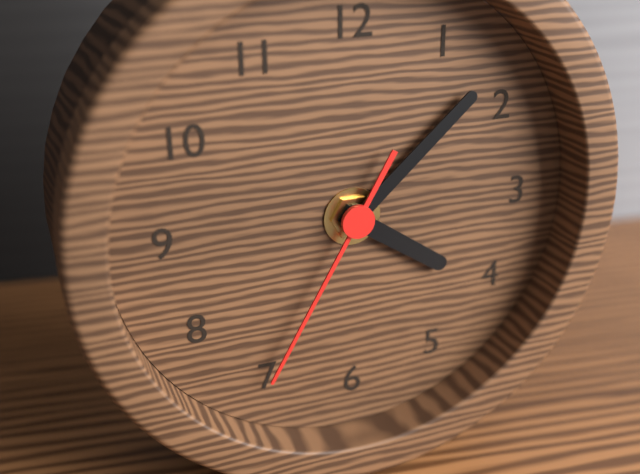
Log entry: **4:08:35**
